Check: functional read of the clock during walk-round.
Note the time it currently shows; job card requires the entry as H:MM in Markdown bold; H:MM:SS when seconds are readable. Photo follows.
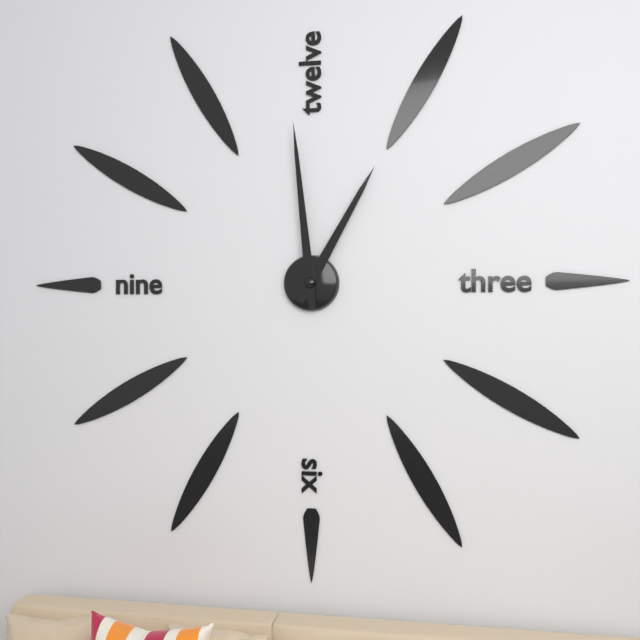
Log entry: **12:59**
